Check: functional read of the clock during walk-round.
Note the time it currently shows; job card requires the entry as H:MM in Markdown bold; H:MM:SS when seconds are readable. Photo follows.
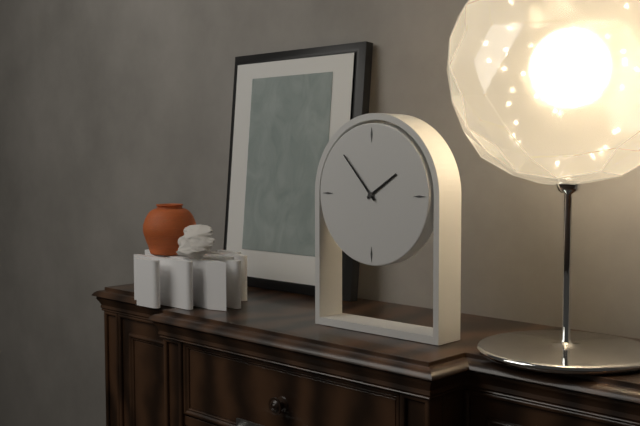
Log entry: **1:53**
